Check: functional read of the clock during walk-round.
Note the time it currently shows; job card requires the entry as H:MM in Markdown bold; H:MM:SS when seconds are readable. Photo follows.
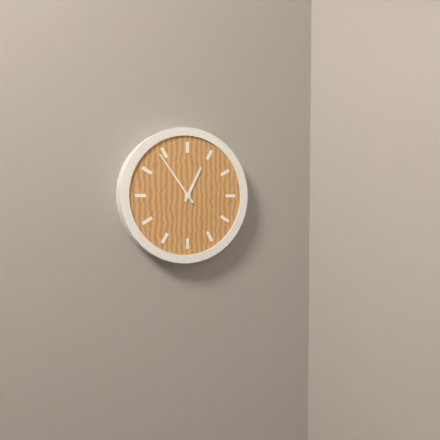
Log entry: **12:54**
